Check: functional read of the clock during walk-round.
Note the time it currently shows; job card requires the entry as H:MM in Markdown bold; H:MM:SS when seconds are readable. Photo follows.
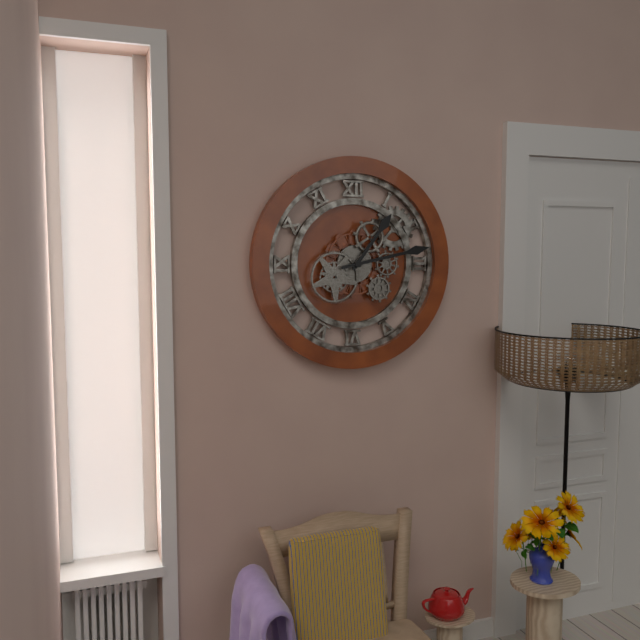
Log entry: **1:13**
